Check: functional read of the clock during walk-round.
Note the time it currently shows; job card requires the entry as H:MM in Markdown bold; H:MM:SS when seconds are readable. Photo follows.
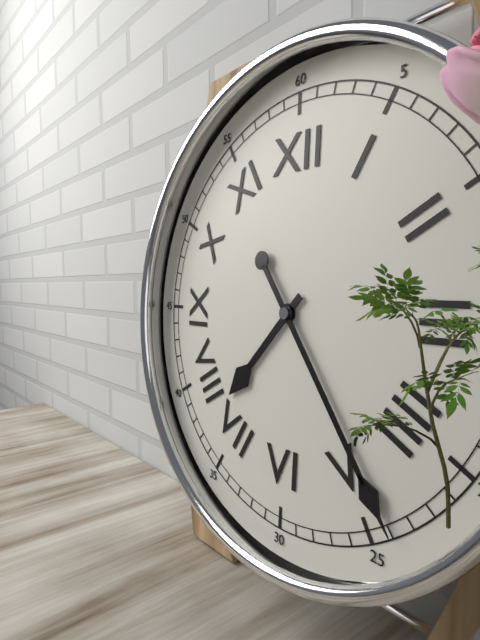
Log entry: **7:24**
